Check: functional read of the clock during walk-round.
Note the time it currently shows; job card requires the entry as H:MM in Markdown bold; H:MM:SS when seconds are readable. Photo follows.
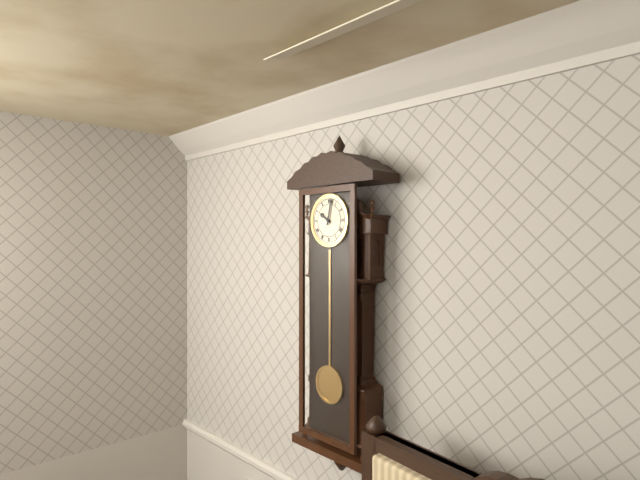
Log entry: **10:02**
